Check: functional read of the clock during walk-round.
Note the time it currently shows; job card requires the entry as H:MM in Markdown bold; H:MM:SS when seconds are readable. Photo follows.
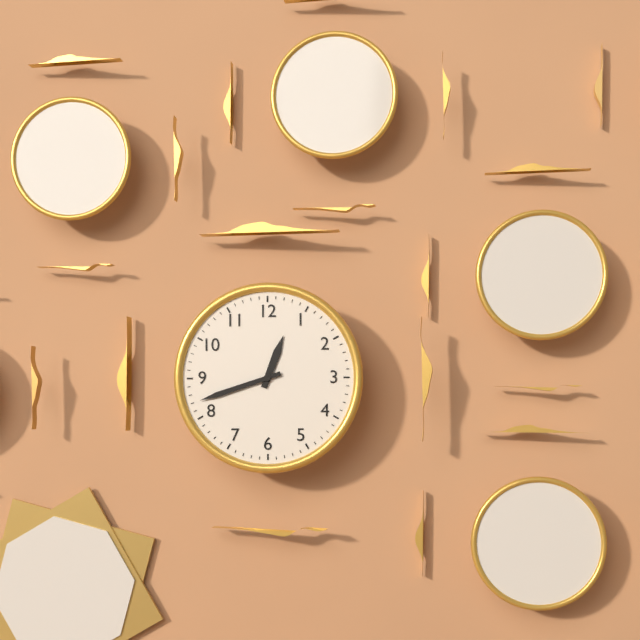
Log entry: **12:42**
